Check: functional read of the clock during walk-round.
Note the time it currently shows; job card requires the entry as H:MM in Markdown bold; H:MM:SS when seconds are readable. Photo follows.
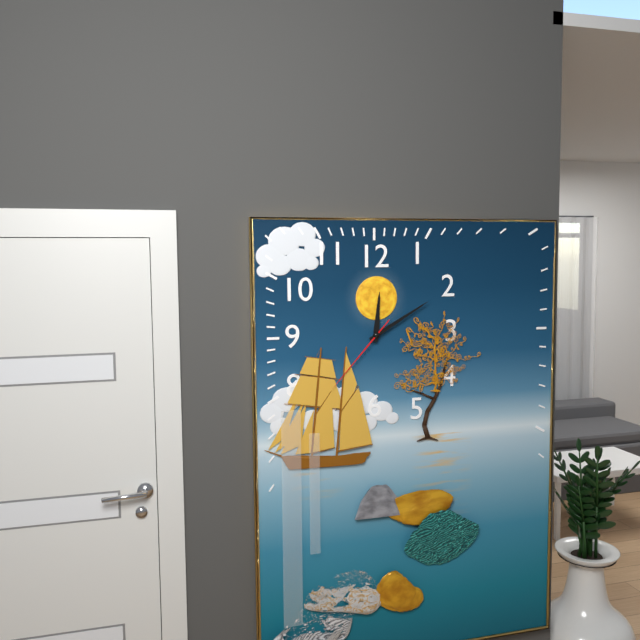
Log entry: **12:10:37**
